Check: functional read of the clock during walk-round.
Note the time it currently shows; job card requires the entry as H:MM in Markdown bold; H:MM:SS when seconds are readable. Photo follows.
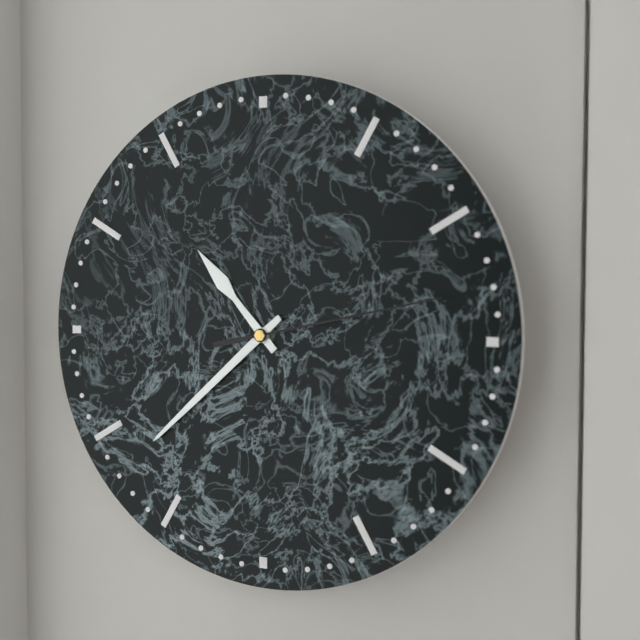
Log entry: **10:38:13**
